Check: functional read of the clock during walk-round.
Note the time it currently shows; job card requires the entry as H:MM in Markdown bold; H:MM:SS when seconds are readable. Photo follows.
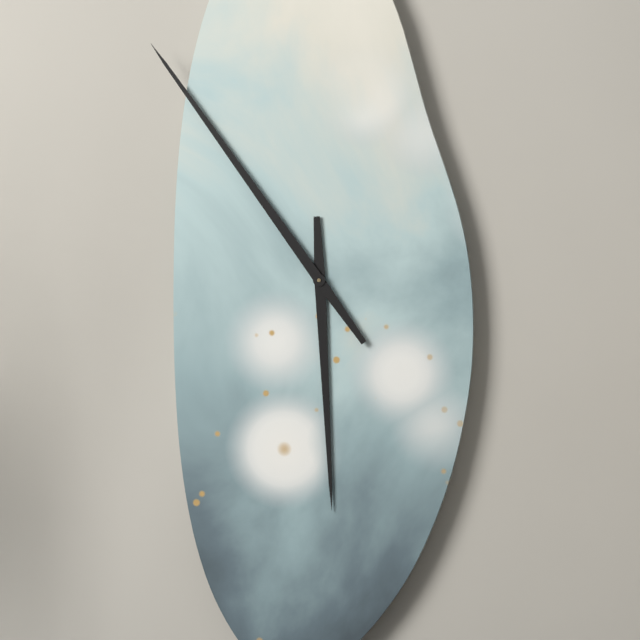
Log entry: **5:54**
